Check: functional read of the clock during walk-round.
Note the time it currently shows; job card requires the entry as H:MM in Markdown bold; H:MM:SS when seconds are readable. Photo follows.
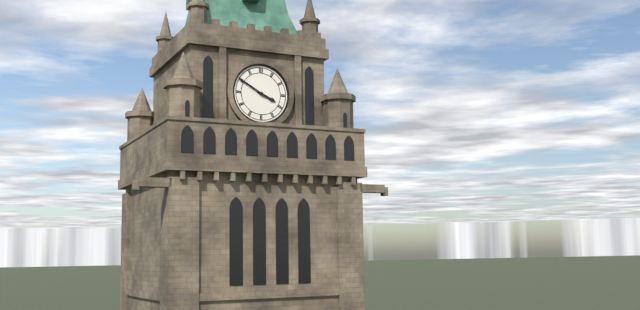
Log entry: **3:50**
